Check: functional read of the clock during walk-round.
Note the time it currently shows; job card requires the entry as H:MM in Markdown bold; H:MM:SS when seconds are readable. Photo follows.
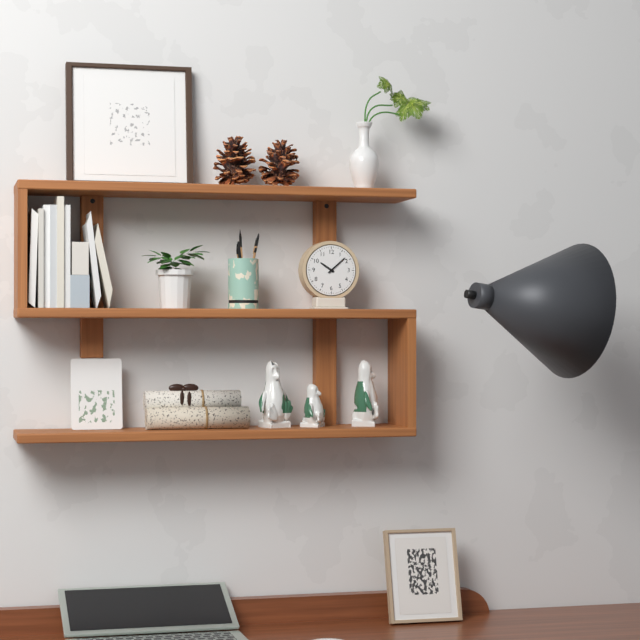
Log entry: **10:08**
